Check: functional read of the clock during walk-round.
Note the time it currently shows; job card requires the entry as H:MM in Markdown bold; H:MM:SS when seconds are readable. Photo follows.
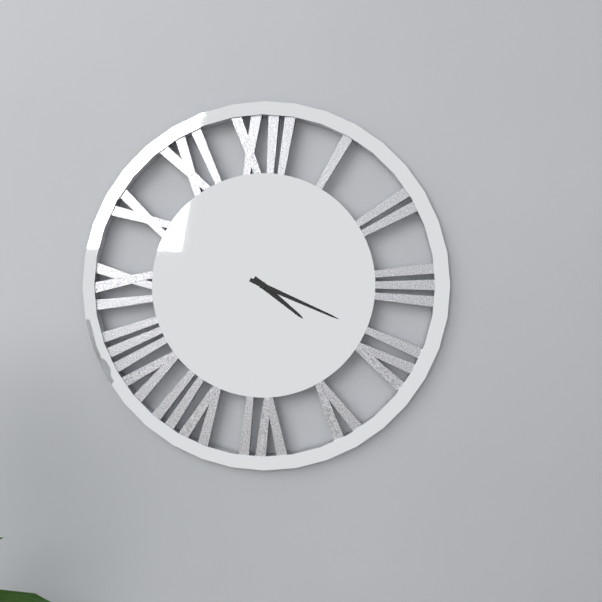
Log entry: **4:19**
